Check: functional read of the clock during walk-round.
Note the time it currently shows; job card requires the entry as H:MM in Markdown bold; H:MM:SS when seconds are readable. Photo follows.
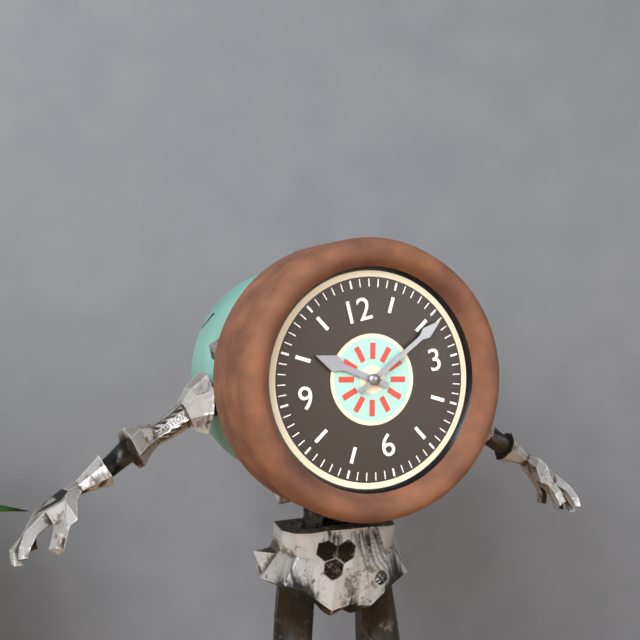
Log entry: **10:11**
